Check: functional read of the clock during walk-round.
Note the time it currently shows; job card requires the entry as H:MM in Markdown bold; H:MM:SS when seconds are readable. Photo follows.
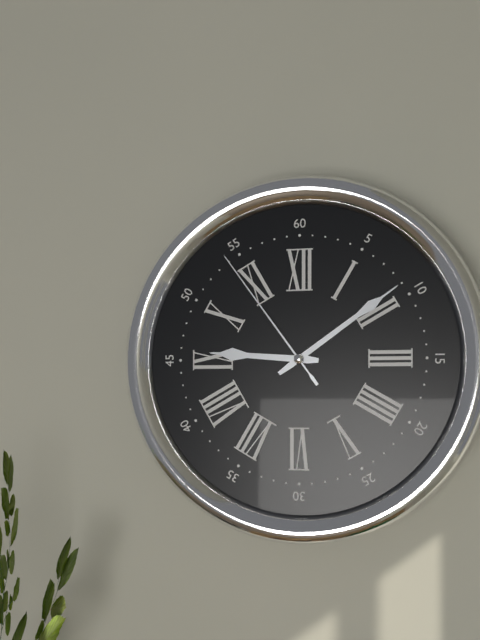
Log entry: **9:09:54**
